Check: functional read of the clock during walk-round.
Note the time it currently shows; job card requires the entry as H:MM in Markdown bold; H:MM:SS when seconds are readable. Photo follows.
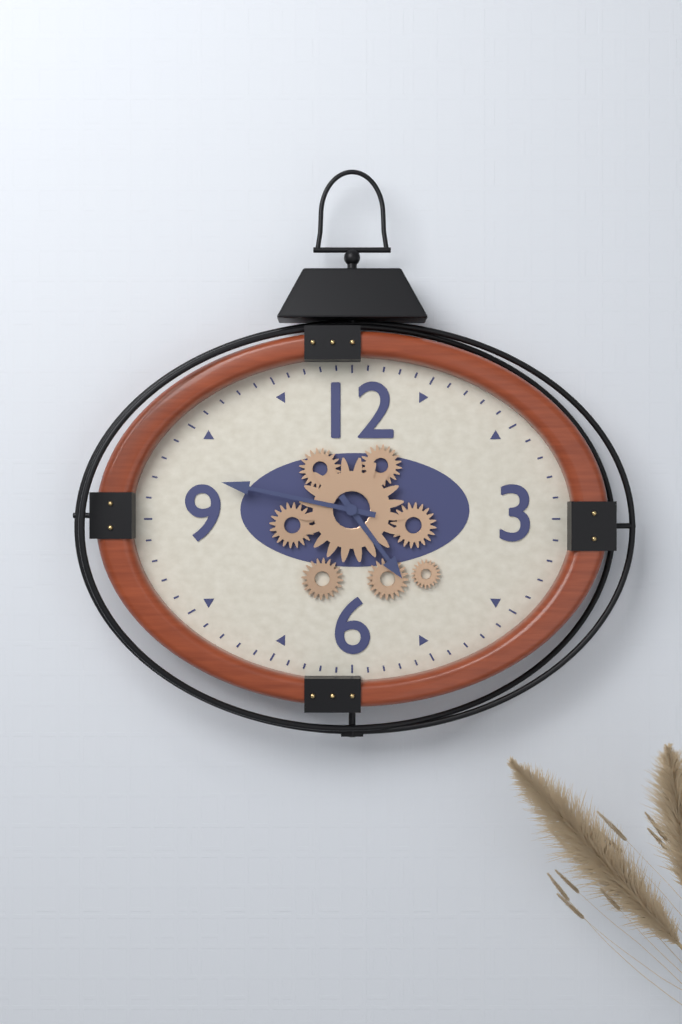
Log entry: **4:47**
